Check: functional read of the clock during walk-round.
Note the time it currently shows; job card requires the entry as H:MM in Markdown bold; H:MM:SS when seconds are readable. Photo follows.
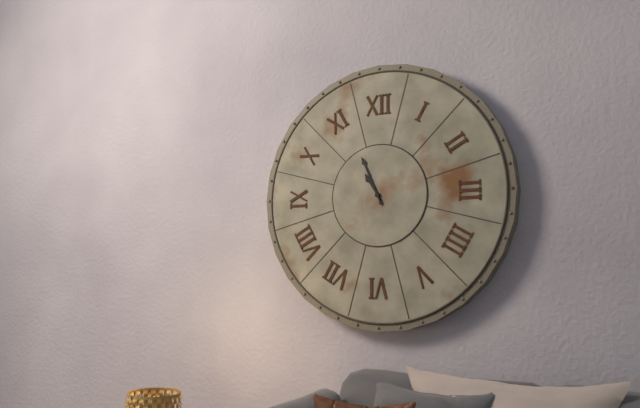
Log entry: **10:56**
